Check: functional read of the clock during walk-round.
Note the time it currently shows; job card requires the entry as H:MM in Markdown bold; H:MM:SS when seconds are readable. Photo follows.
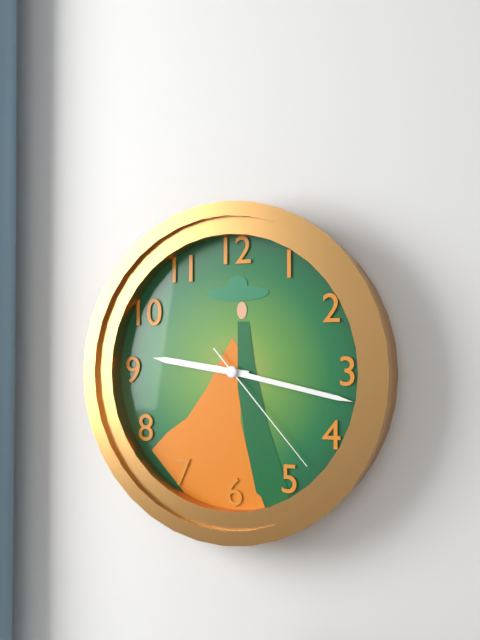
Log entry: **9:17:23**
